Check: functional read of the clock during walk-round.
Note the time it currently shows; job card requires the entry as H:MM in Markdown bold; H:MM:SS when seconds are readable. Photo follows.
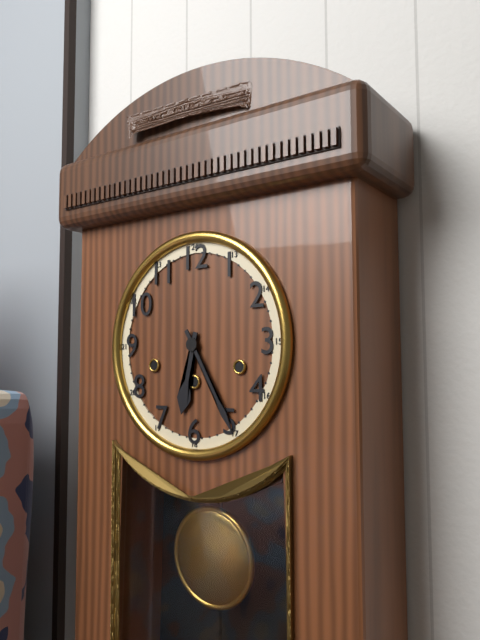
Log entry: **6:25**
